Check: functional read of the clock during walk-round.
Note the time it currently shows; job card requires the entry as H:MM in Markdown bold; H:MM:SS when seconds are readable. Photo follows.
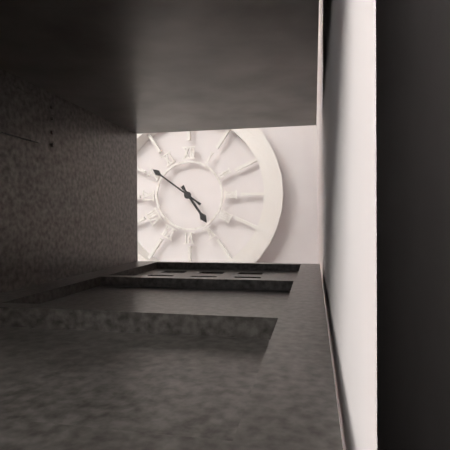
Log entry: **4:51**
